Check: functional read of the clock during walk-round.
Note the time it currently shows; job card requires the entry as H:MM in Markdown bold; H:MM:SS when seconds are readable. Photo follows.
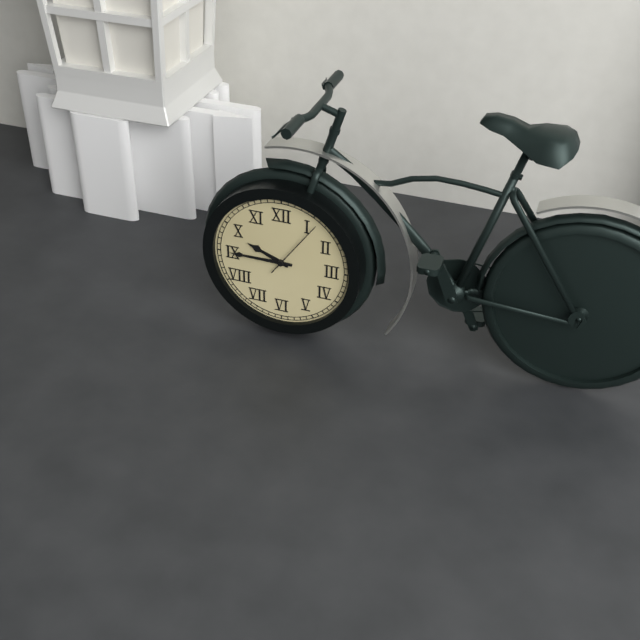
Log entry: **9:45:06**
